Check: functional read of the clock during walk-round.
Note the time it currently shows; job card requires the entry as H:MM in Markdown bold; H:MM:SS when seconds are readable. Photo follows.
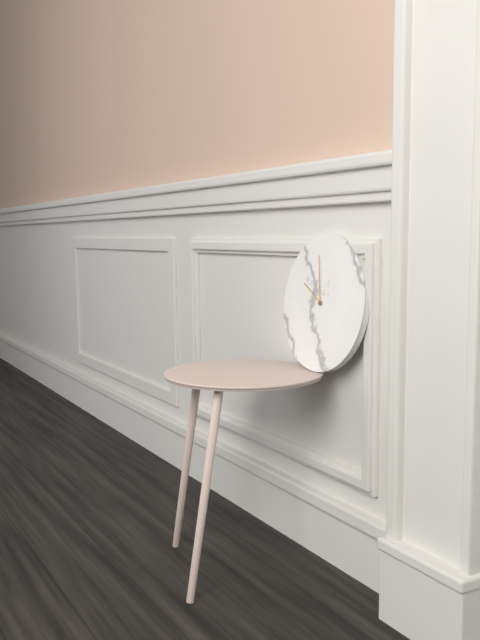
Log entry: **9:58**
